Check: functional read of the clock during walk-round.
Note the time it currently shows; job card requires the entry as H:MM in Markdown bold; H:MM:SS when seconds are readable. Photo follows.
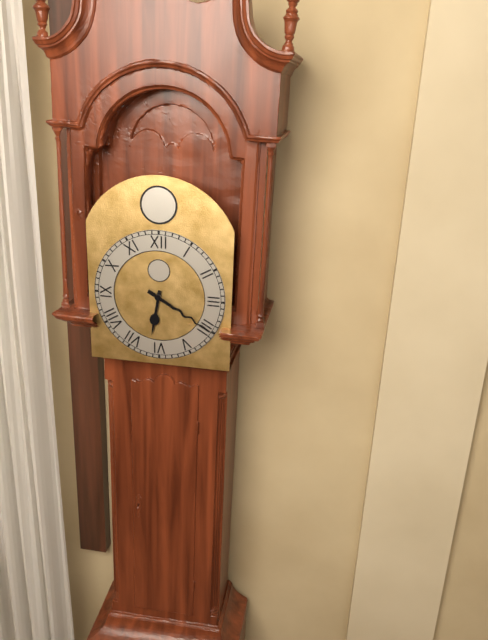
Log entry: **6:20**
